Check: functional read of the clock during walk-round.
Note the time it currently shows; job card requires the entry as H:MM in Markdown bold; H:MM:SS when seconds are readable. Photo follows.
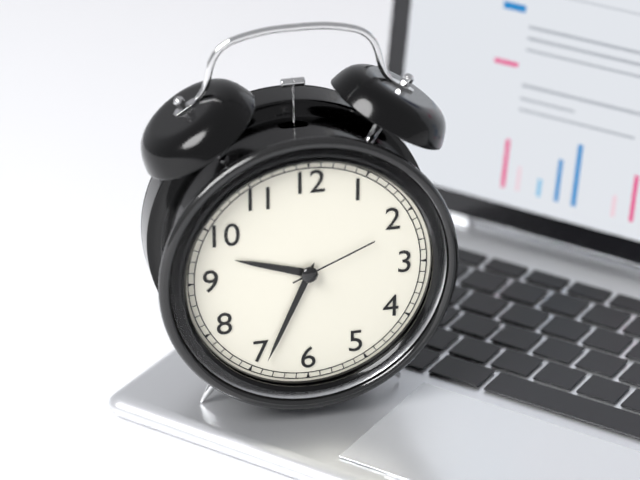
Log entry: **9:34:11**
